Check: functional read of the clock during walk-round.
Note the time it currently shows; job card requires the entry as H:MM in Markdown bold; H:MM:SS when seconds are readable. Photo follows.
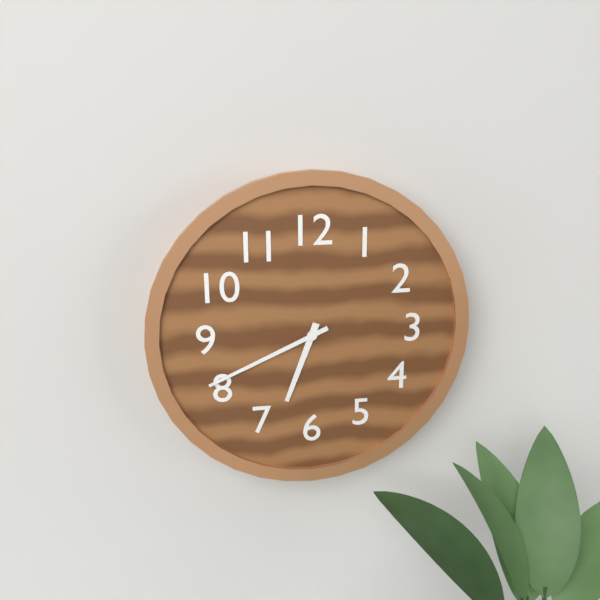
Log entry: **6:41**
